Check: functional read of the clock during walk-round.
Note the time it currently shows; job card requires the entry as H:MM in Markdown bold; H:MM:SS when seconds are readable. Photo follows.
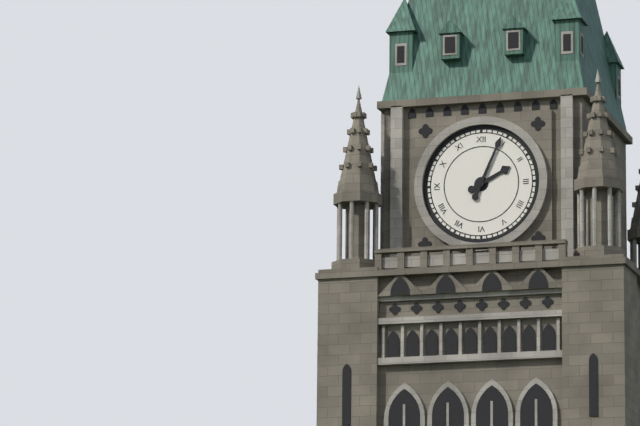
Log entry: **2:04**
